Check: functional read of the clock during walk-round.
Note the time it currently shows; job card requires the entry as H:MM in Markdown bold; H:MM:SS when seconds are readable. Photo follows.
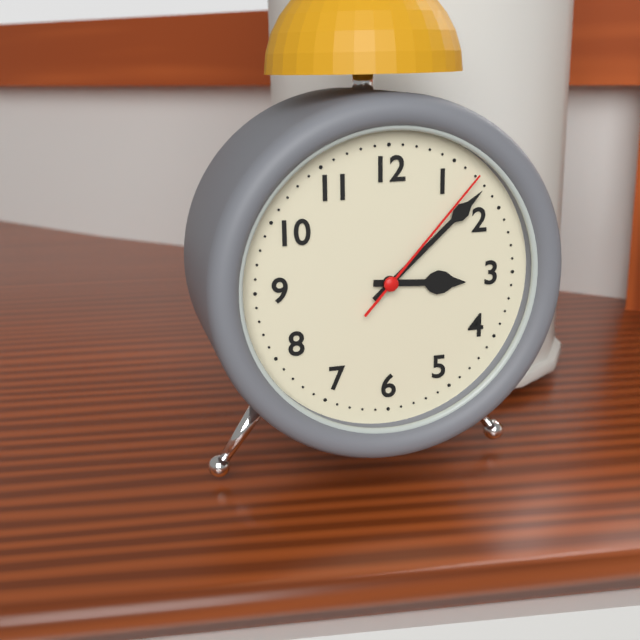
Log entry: **3:08:07**
